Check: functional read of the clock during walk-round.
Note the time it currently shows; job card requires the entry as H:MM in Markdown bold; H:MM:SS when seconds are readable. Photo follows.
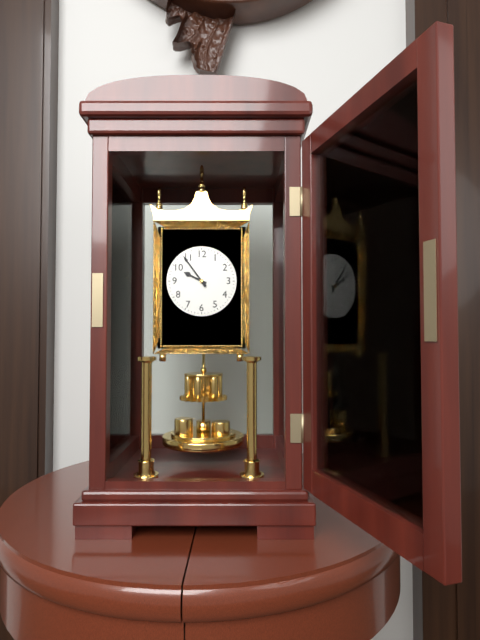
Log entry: **9:54**
